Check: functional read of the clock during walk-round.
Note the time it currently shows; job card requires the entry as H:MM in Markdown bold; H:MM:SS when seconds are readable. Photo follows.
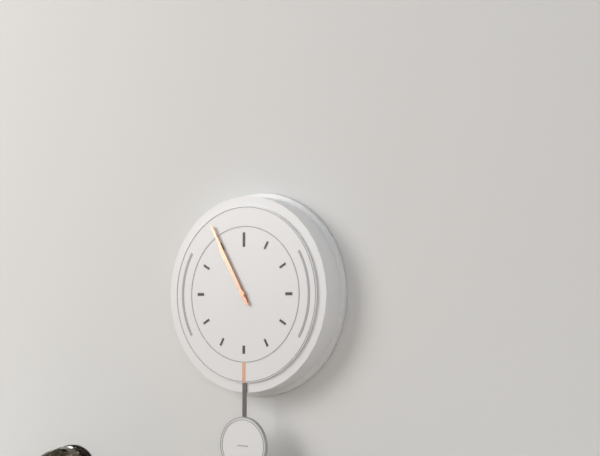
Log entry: **10:55**
